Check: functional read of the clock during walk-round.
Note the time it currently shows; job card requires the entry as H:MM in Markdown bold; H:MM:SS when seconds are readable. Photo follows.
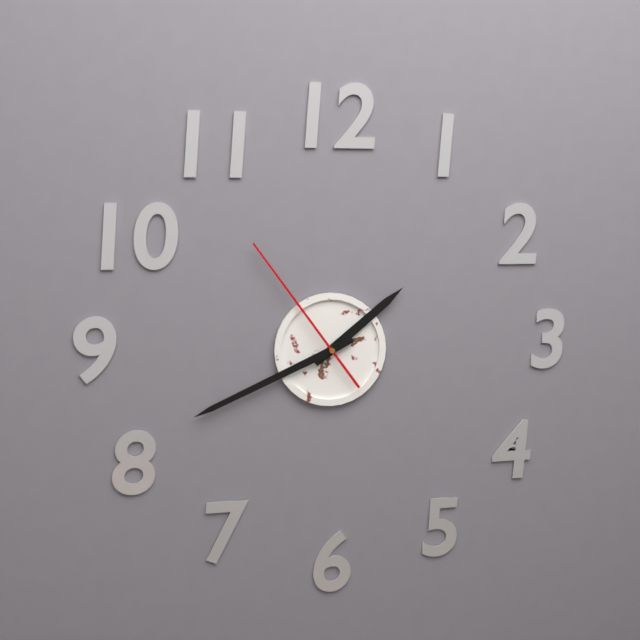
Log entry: **1:41:54**
